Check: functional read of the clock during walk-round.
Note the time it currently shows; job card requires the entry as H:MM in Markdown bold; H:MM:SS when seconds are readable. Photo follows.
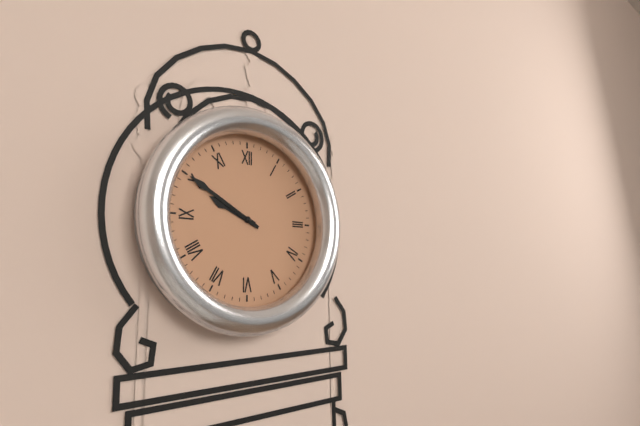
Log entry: **9:50**
